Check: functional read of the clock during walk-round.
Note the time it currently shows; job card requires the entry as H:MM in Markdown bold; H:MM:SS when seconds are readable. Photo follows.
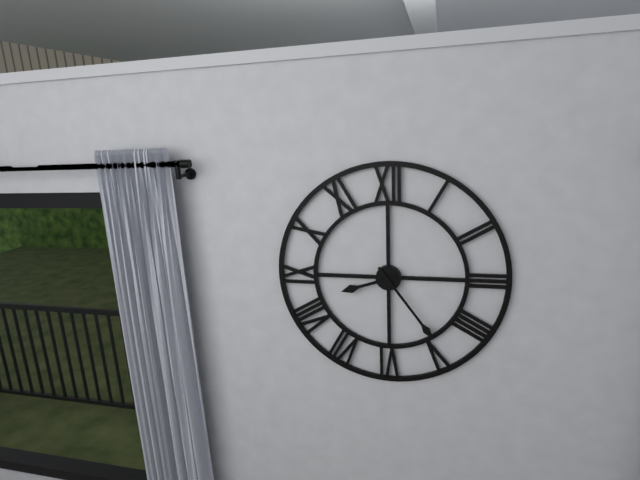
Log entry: **8:24**
